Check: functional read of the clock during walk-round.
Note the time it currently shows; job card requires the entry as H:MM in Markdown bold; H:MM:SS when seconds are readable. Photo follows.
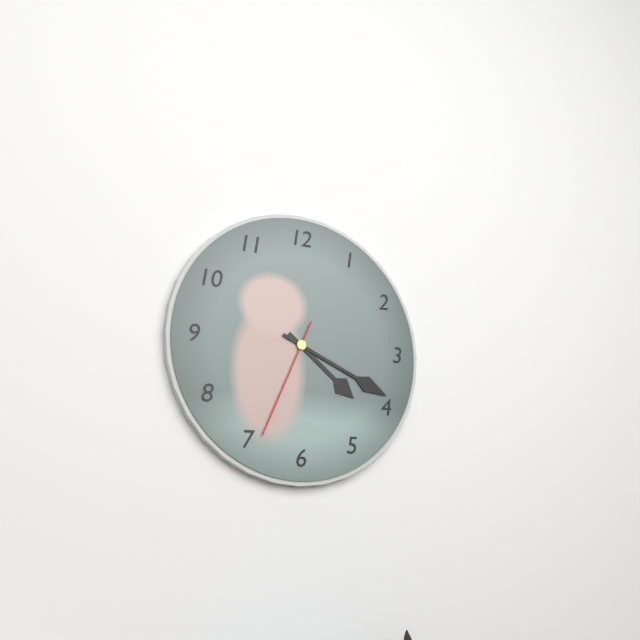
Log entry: **4:19:34**
